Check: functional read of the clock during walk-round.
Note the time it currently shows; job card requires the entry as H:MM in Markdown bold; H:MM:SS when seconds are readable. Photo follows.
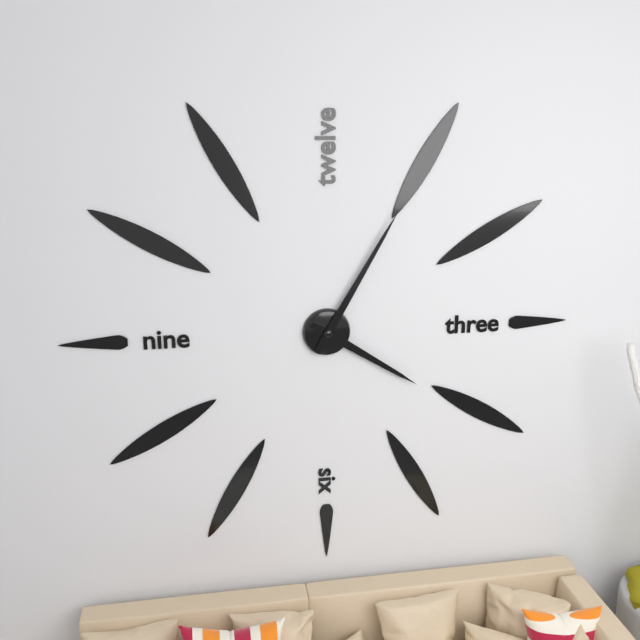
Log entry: **4:05**
